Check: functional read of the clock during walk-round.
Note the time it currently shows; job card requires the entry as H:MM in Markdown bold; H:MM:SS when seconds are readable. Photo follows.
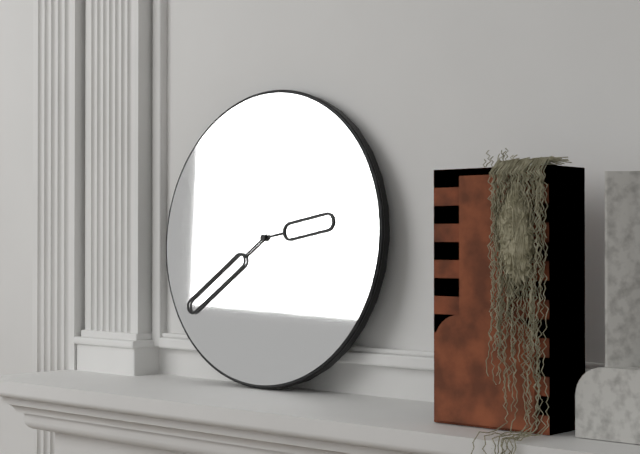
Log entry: **2:39**
